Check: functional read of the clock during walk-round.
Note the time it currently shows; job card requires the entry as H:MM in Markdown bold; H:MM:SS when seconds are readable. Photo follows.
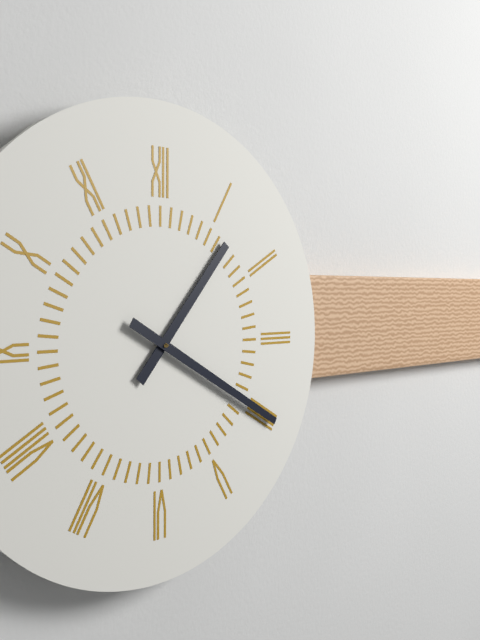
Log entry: **1:20**
